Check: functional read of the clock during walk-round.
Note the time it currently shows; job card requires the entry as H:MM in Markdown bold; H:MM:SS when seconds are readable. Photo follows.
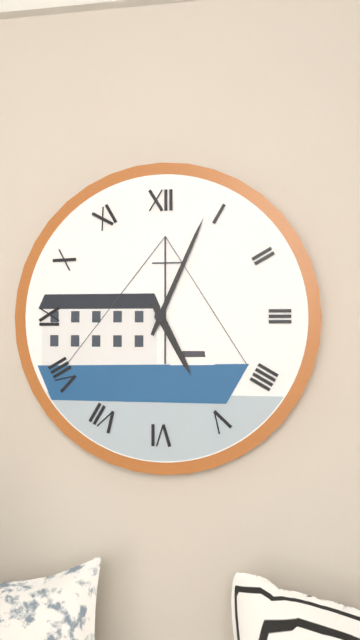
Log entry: **5:04**
